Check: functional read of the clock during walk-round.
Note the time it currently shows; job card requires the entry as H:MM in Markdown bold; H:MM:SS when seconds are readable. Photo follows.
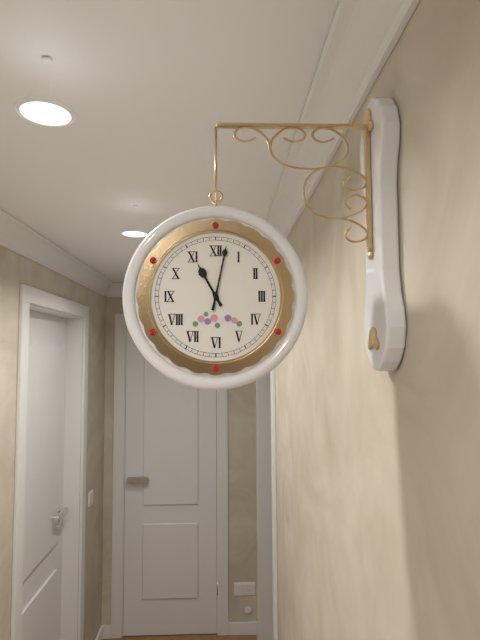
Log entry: **11:02**
